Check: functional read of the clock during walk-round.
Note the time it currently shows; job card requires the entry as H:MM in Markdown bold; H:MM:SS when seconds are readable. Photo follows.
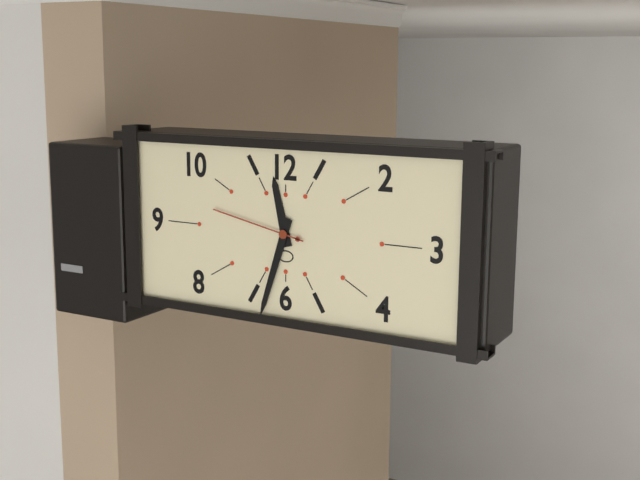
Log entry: **11:33:47**
